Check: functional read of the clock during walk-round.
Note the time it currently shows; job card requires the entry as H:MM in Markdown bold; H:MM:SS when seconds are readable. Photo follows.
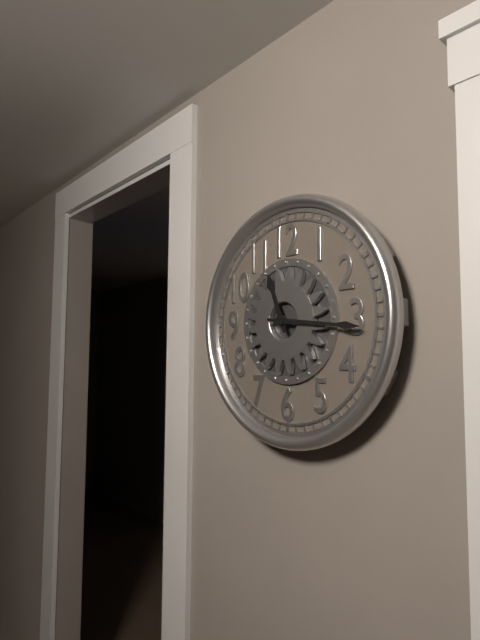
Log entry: **11:16**
